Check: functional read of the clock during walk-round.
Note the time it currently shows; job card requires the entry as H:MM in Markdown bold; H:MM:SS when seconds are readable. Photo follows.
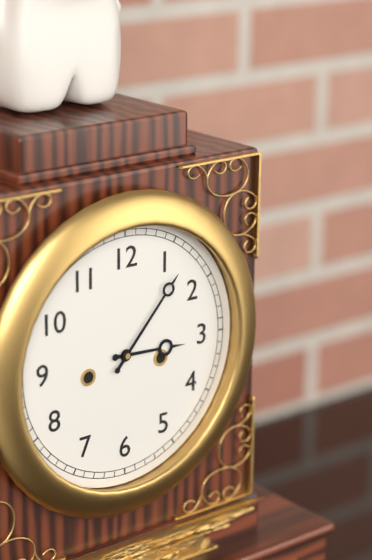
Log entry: **3:07**
